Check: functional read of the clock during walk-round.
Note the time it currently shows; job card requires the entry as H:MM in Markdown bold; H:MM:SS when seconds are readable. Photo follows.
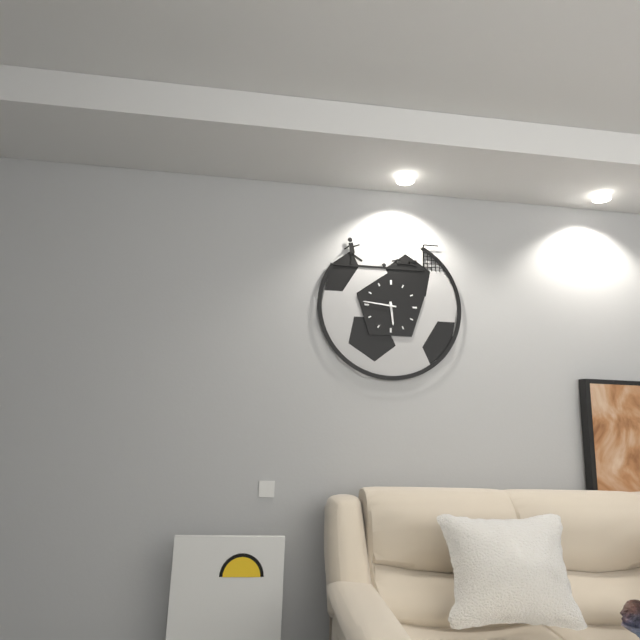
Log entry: **5:46**
